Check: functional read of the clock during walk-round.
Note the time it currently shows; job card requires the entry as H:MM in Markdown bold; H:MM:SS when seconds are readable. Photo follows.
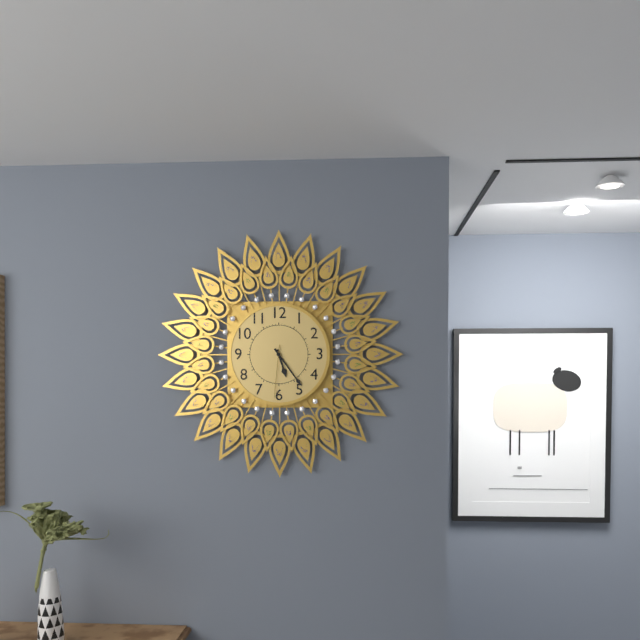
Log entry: **5:24:31**
